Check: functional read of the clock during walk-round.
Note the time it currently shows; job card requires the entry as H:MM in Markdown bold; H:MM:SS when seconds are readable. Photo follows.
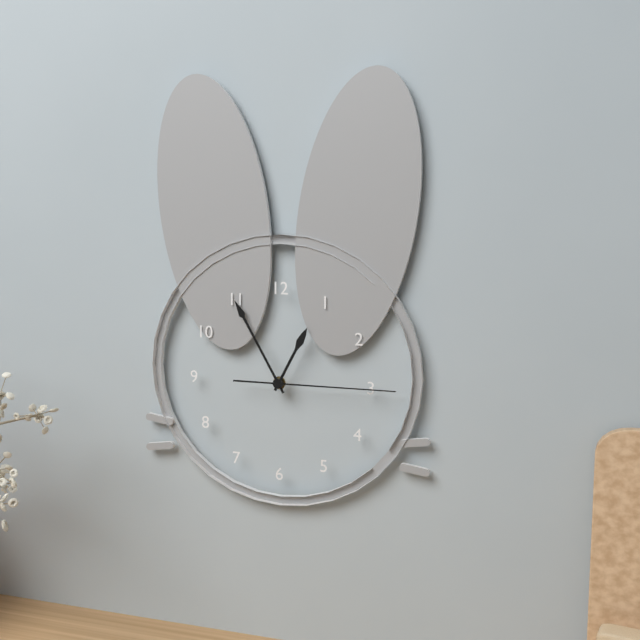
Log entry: **12:55:15**
